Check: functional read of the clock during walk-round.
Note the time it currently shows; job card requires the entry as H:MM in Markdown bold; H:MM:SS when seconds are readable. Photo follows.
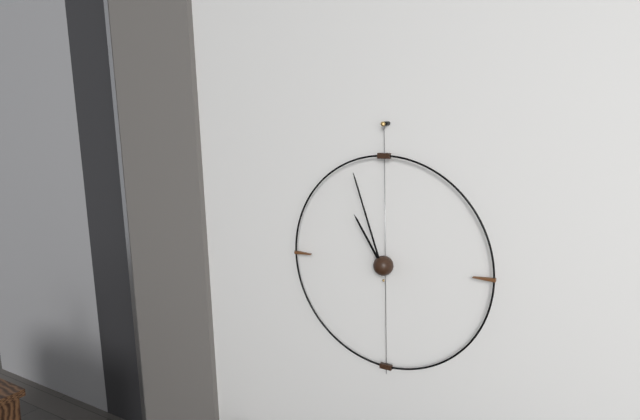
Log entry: **10:57**
